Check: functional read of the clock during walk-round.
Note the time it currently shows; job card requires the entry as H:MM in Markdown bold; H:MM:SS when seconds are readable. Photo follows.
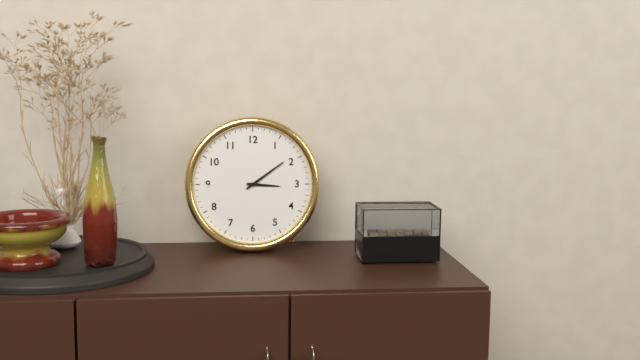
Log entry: **3:09**
